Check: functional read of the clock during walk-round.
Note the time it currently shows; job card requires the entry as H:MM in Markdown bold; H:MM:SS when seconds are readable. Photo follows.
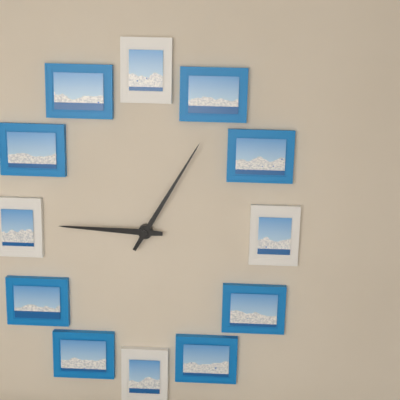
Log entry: **9:05**
